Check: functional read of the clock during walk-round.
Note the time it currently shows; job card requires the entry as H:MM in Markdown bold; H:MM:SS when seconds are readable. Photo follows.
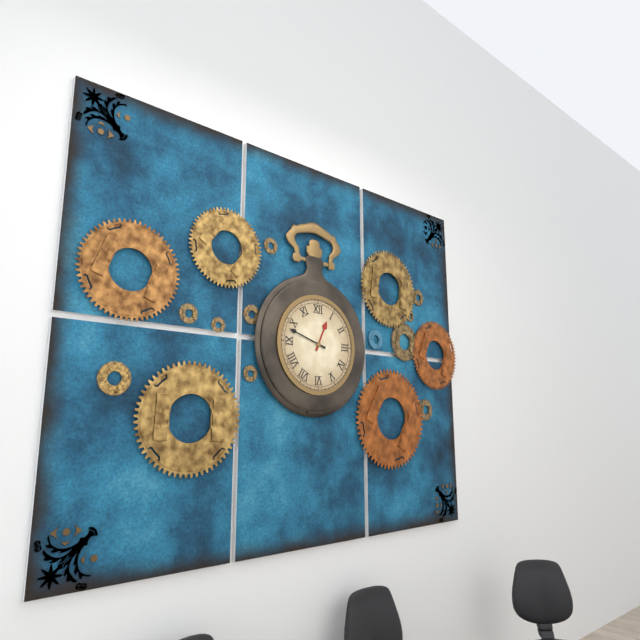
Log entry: **12:48**
